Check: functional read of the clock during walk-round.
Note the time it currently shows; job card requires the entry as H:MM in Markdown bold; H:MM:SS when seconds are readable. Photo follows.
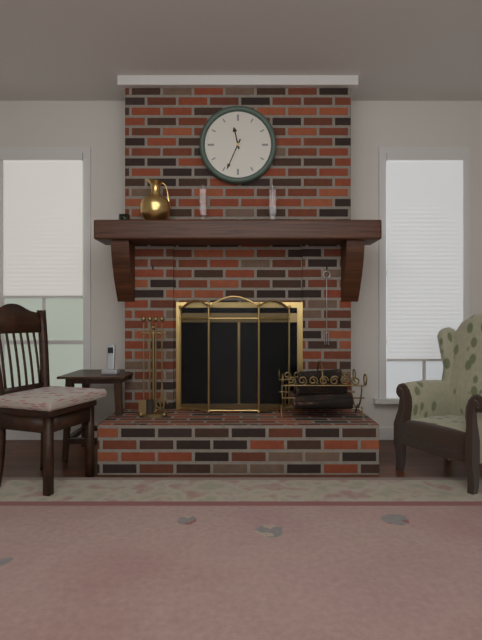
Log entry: **11:34**
